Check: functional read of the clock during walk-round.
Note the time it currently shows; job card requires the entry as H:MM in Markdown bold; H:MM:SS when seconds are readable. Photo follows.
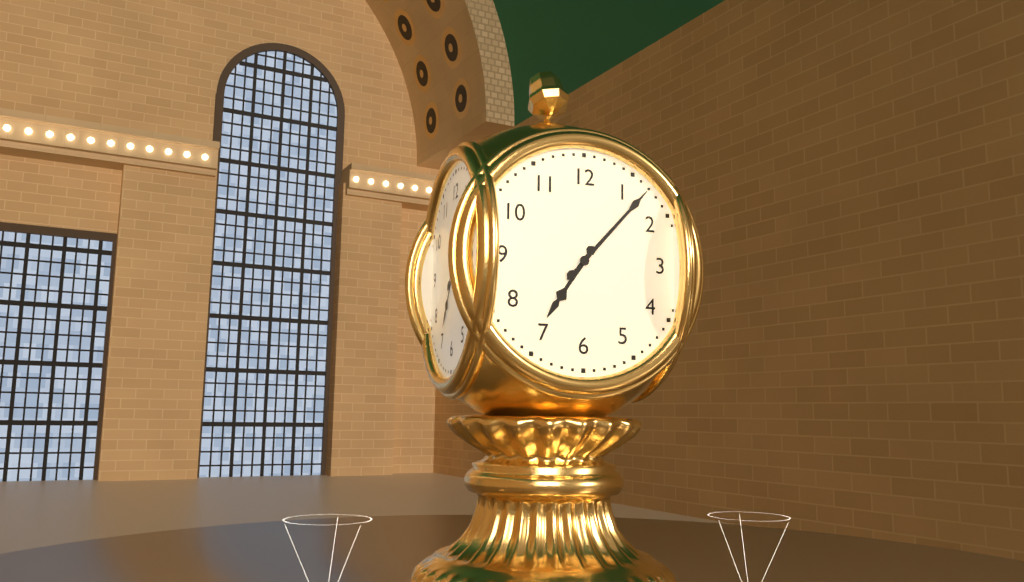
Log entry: **7:07**
